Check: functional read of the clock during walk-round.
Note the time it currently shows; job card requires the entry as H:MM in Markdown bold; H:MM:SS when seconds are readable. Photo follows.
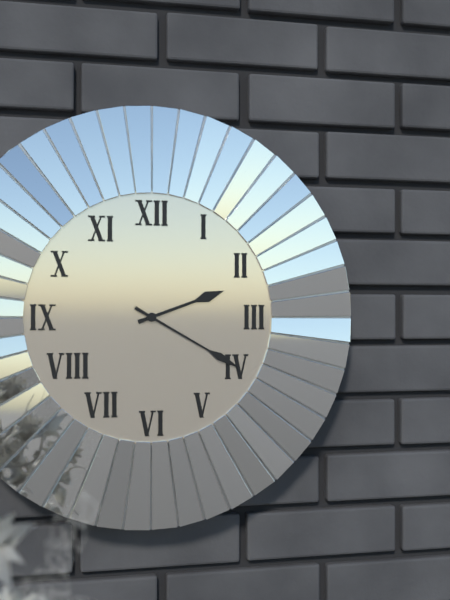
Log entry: **2:20**
